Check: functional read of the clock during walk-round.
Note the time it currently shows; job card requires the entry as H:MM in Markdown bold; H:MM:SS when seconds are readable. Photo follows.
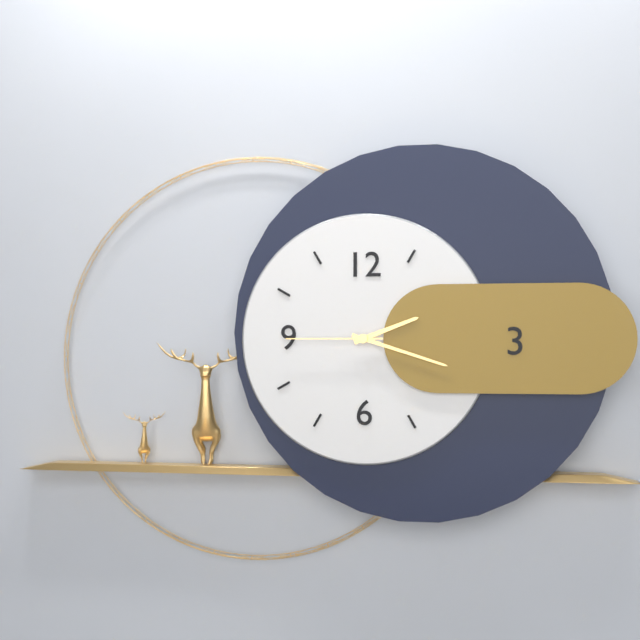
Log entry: **2:18:45**
